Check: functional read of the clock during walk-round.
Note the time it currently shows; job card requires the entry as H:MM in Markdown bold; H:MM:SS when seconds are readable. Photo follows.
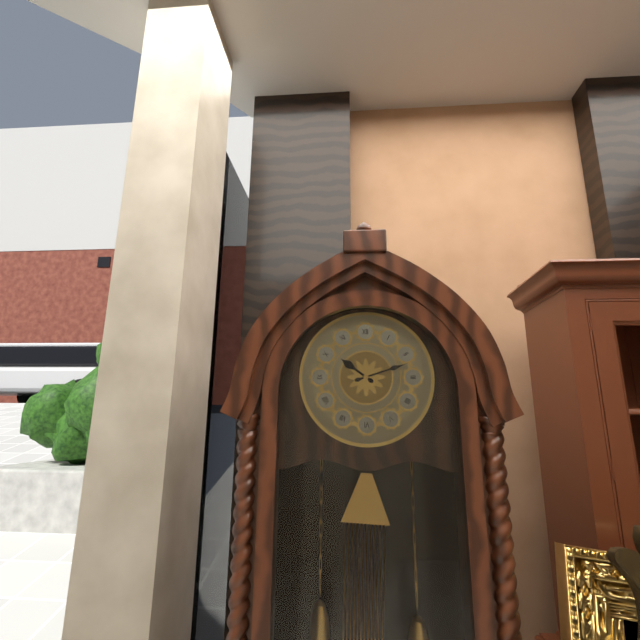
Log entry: **10:12**
